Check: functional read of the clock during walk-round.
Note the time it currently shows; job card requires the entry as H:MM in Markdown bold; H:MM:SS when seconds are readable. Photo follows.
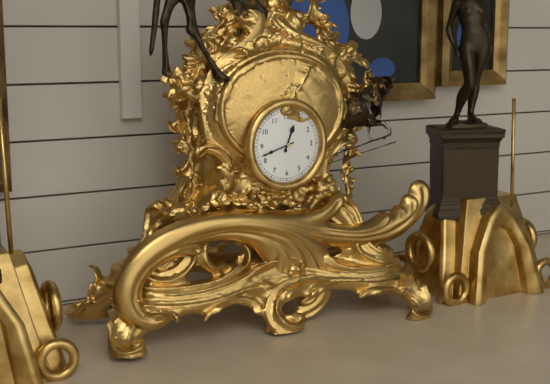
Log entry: **12:42**
